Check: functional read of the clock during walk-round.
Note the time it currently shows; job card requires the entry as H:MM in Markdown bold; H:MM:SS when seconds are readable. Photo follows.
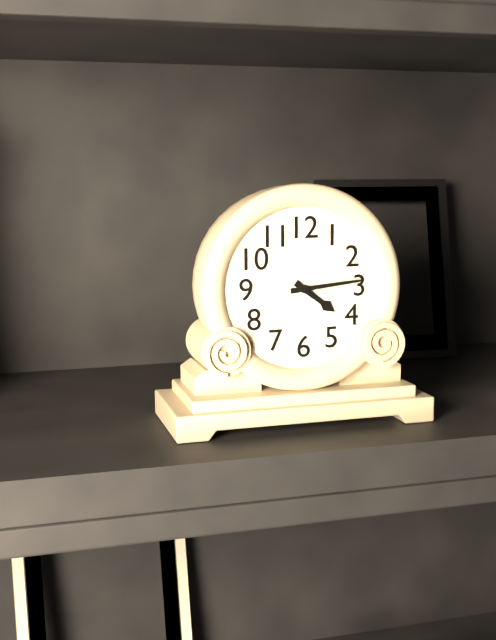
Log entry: **4:14**
